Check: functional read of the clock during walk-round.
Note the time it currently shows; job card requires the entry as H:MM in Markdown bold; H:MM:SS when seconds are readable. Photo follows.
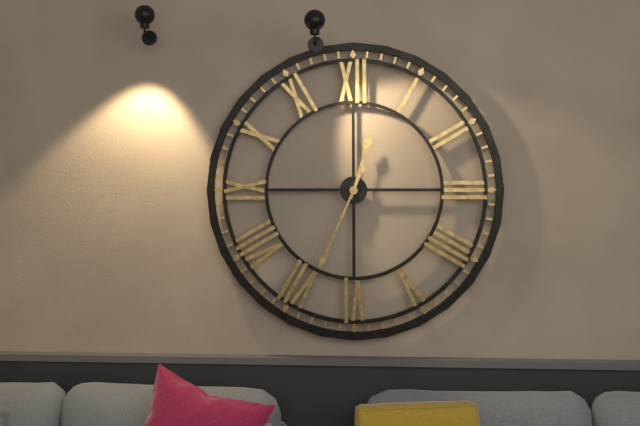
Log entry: **12:34**
